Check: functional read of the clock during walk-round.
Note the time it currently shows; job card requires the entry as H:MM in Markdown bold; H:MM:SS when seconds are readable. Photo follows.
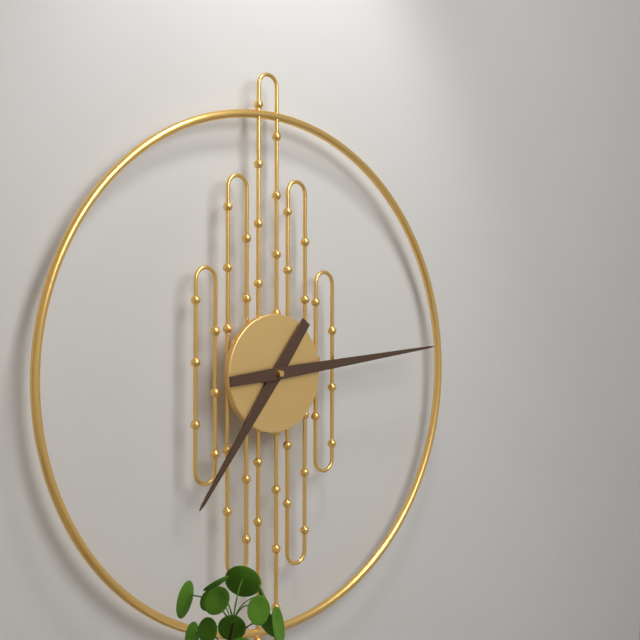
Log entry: **7:14**
